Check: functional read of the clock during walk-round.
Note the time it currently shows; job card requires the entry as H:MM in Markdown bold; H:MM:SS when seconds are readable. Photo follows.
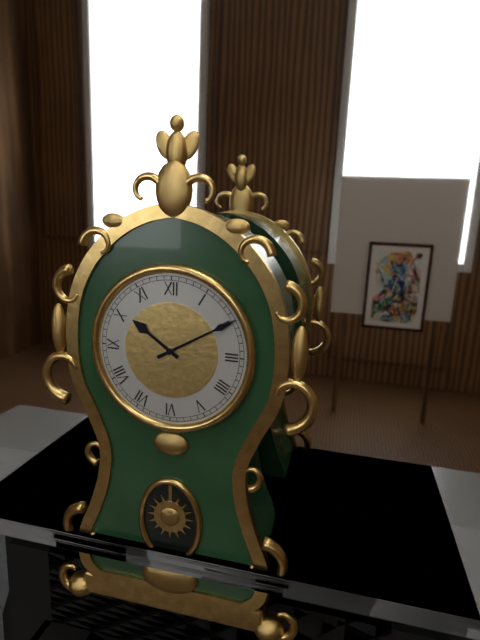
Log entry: **10:10**
